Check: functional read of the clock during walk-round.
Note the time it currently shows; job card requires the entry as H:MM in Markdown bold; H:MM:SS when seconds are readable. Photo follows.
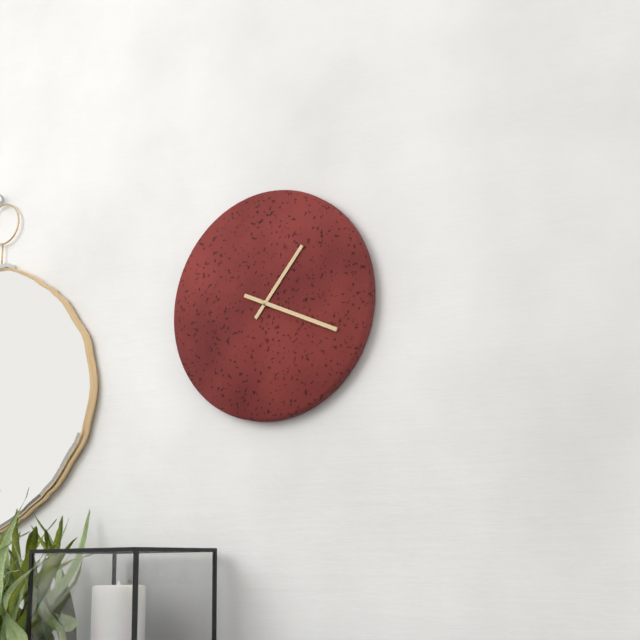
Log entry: **1:19**
